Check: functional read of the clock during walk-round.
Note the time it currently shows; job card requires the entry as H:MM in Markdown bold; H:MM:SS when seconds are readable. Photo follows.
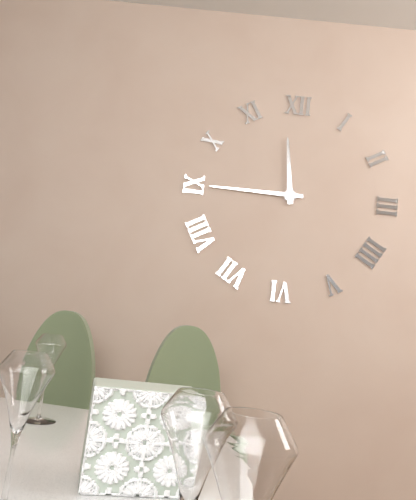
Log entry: **11:45**
